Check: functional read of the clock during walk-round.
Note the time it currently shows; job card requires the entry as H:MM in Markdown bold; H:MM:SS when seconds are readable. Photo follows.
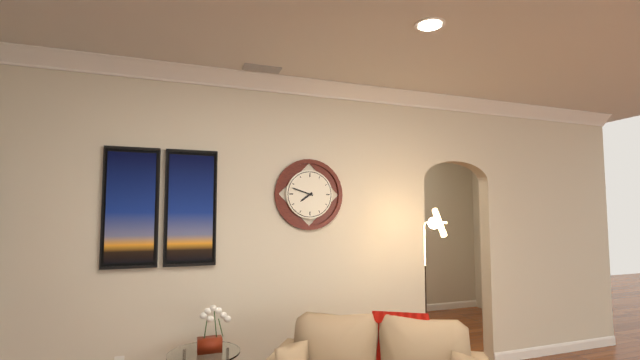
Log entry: **7:48**
